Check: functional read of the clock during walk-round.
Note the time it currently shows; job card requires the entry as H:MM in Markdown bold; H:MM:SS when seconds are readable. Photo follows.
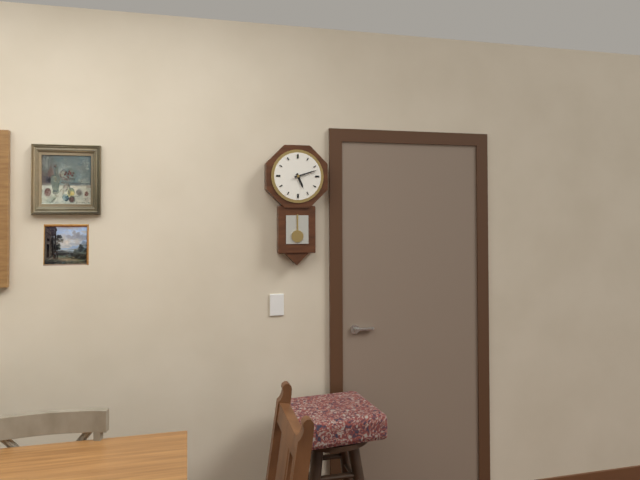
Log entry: **5:12**
